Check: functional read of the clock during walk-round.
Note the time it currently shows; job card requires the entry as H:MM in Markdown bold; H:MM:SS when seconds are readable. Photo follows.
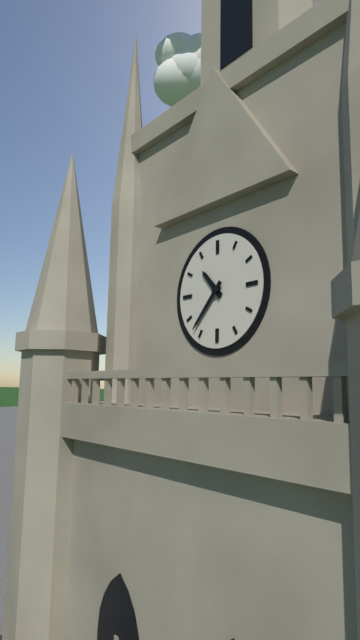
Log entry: **10:37**
